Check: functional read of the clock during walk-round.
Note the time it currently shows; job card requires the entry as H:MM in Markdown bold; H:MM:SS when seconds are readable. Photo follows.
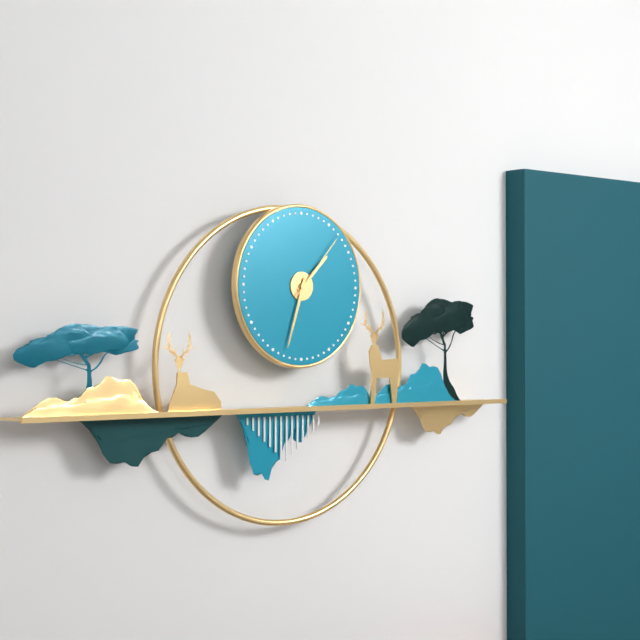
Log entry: **1:33:07**
